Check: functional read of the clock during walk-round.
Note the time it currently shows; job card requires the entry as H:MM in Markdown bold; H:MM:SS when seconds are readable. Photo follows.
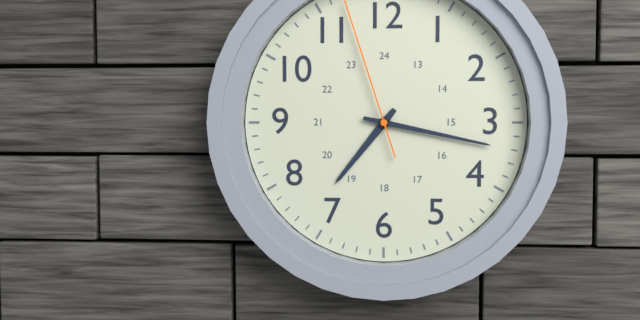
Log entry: **7:17:57**
